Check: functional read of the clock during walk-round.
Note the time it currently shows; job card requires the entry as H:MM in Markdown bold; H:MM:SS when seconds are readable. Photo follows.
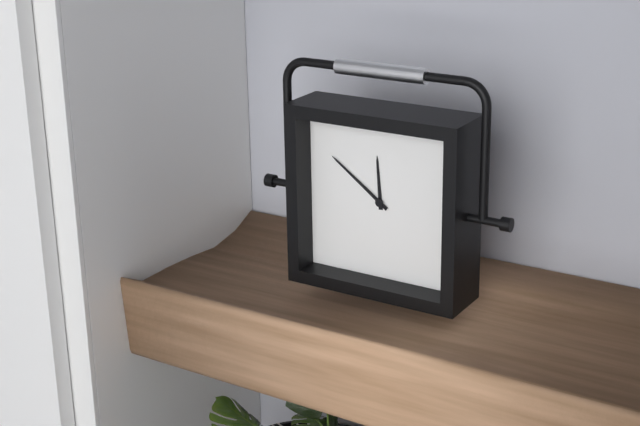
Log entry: **11:51**
